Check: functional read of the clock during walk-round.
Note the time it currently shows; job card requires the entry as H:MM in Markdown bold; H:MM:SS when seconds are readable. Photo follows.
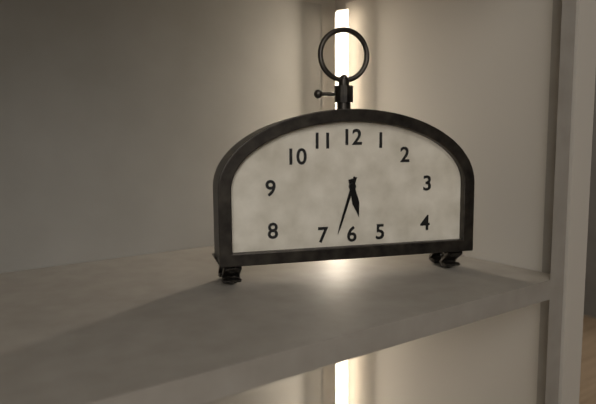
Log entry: **5:33**
